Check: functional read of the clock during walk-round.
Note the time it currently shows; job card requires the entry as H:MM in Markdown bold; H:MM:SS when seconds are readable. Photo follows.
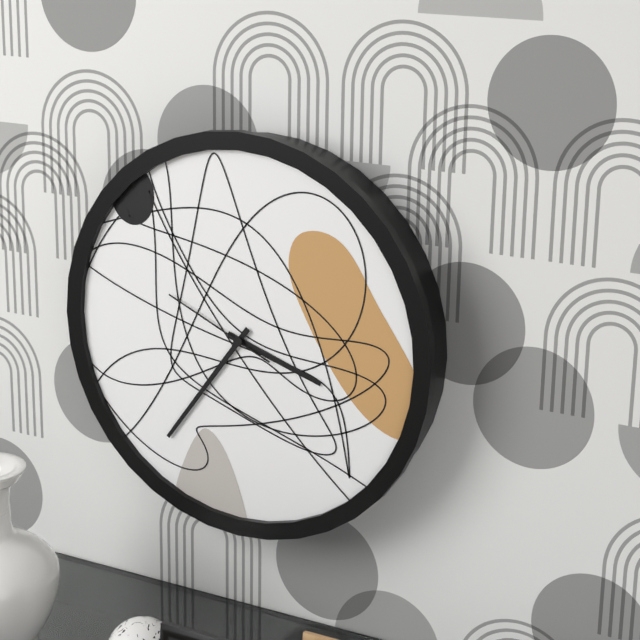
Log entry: **3:36:49**
